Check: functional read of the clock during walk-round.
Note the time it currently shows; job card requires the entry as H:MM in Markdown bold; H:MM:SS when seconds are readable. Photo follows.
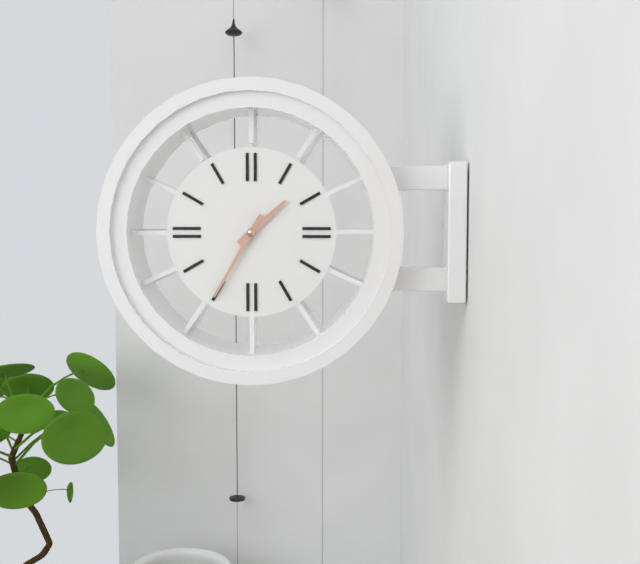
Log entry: **1:35**
